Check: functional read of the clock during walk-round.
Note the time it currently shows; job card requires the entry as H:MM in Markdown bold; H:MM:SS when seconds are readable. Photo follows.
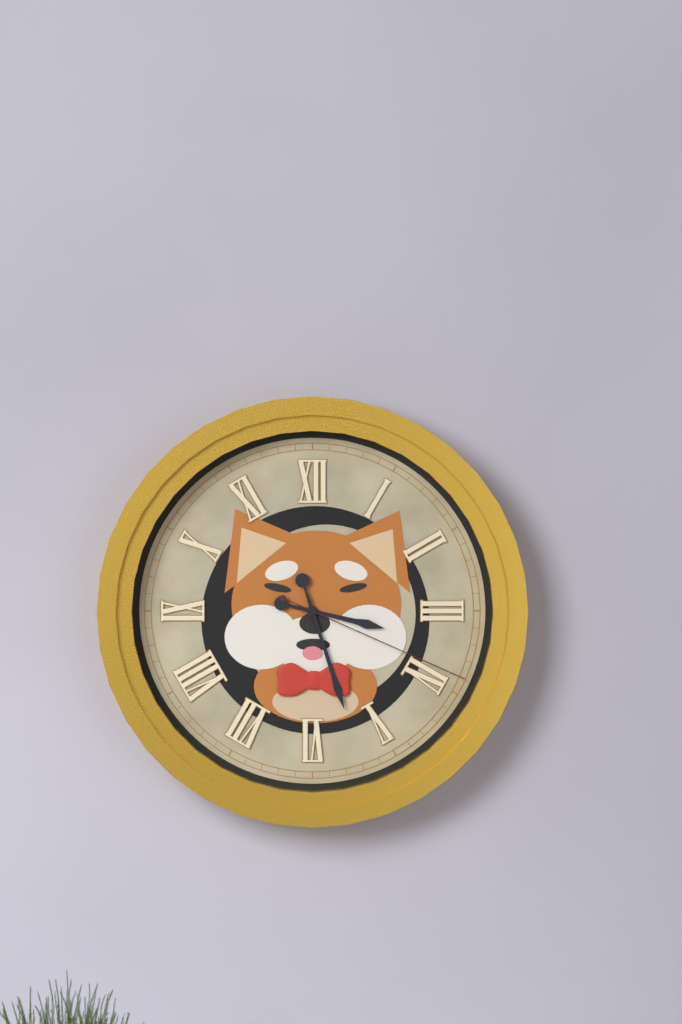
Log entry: **3:27:19**
